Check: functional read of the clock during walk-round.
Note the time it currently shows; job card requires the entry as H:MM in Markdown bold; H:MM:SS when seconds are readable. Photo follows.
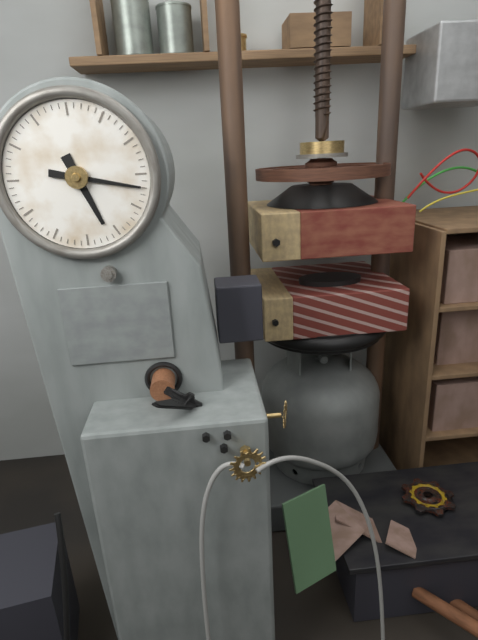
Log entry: **5:17**
